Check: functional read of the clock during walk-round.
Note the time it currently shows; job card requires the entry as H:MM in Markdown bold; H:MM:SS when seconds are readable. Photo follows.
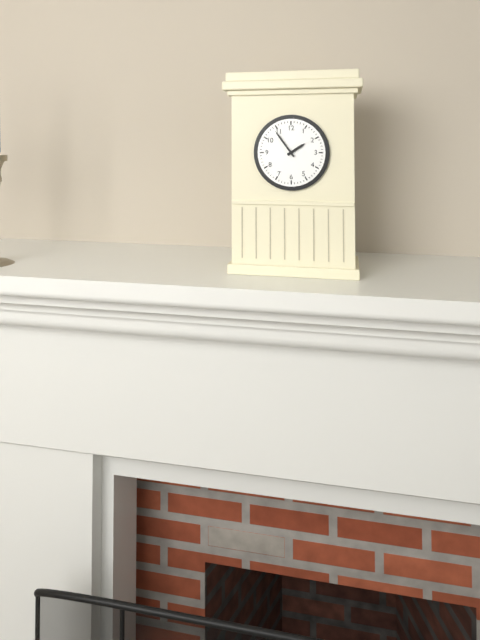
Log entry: **1:54**
